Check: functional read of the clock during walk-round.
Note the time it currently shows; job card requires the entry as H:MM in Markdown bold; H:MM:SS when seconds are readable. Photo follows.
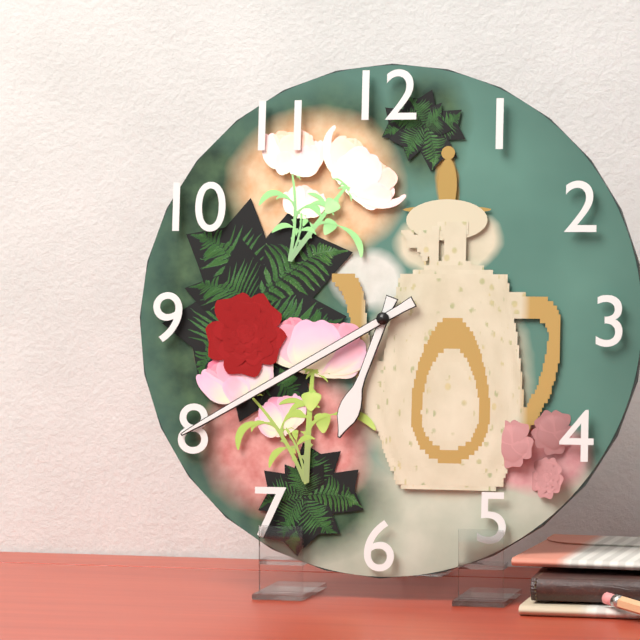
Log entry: **6:40**
